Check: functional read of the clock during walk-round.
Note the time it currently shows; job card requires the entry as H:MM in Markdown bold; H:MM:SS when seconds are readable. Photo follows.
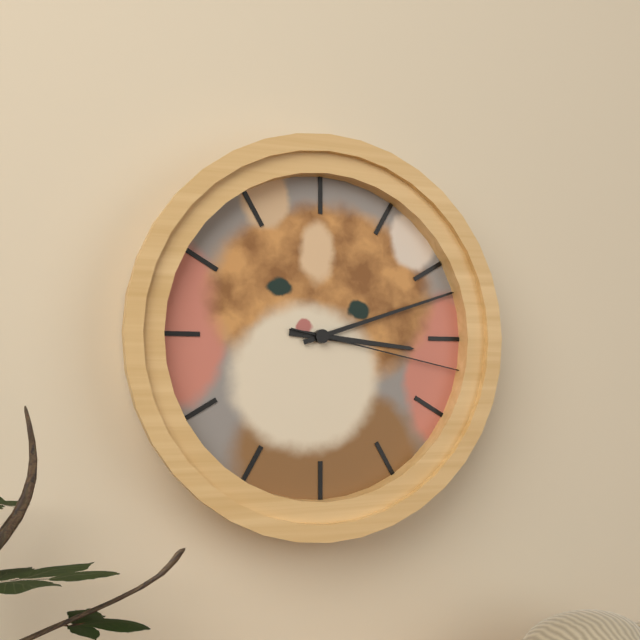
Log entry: **3:12:17**
